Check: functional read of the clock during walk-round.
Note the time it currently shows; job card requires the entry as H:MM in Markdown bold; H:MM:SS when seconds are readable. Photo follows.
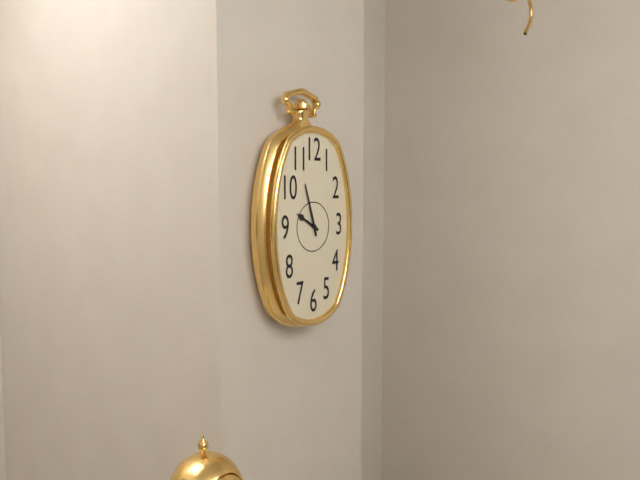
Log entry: **9:57**
